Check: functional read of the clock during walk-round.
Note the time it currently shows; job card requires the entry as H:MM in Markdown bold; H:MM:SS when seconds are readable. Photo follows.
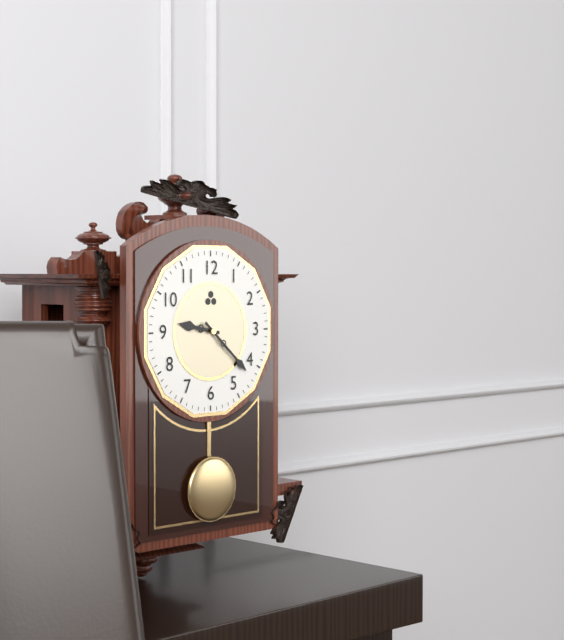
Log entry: **9:22**
